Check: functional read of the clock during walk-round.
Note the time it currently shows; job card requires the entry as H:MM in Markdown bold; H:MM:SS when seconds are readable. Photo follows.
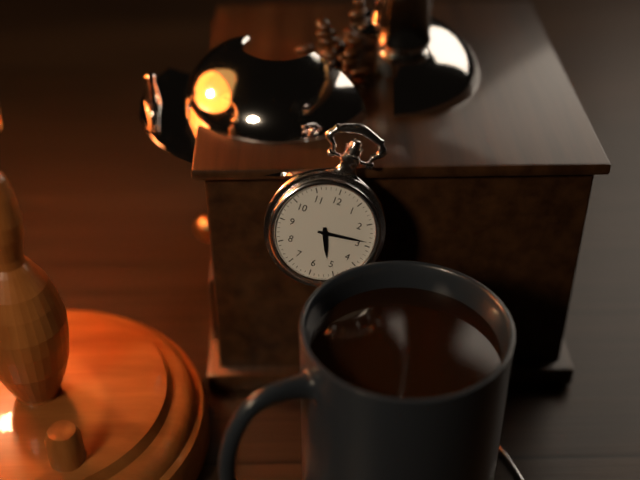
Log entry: **5:14**
